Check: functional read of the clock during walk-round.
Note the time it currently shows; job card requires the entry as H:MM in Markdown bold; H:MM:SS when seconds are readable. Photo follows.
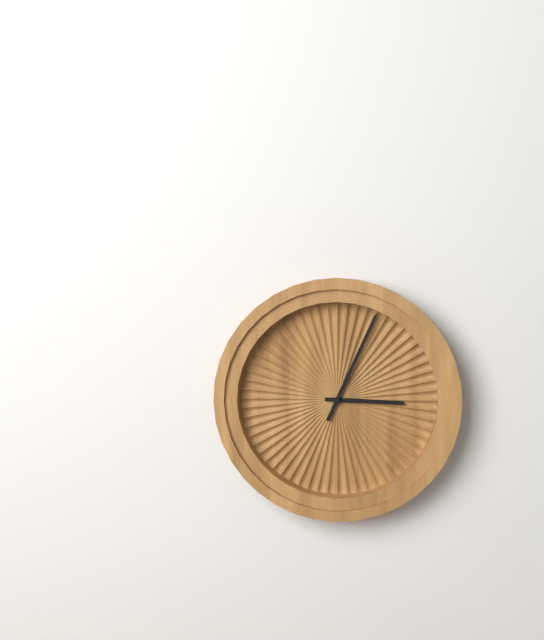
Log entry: **3:04**
